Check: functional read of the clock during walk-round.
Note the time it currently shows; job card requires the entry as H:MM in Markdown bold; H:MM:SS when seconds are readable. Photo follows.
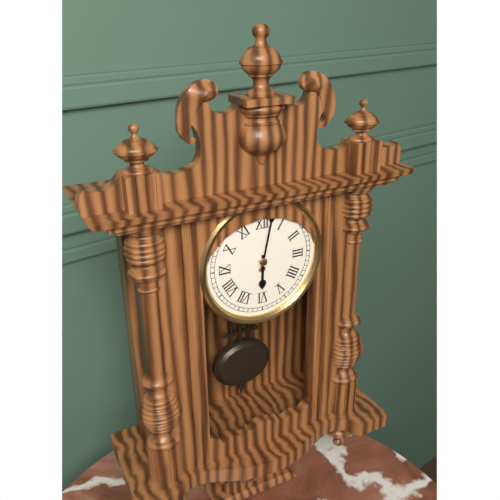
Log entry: **6:02**
